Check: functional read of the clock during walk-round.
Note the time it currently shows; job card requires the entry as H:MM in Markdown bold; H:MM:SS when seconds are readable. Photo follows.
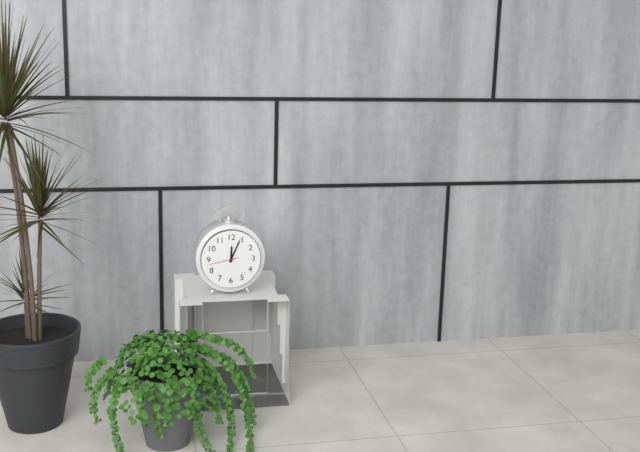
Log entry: **12:04**
